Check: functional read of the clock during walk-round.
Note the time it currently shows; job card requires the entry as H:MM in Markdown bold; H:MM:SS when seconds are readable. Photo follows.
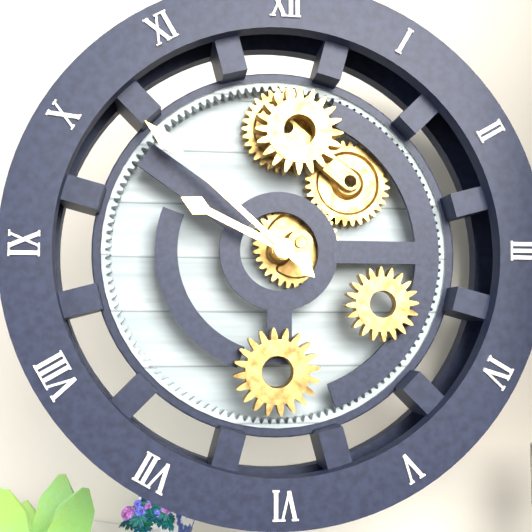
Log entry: **9:52**
